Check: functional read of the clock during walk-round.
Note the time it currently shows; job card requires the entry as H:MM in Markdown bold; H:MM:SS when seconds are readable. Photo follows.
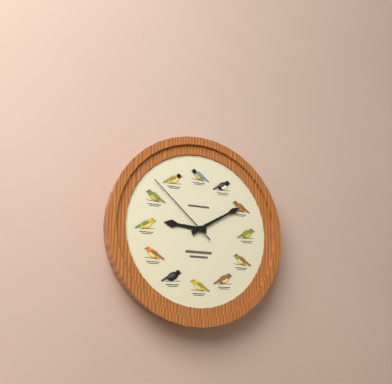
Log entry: **9:10:52**
